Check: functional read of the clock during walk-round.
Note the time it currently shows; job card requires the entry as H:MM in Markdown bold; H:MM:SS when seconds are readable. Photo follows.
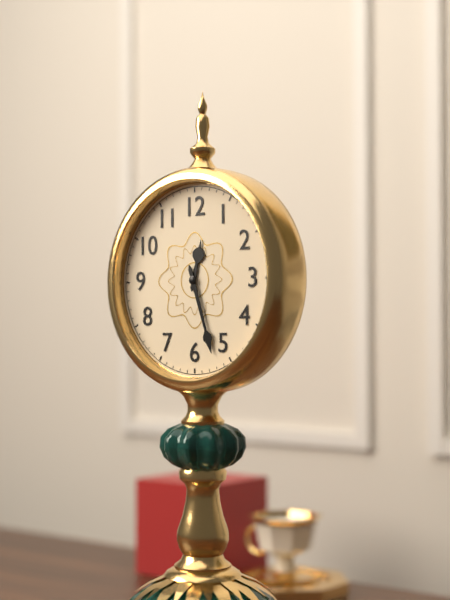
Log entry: **12:27**
